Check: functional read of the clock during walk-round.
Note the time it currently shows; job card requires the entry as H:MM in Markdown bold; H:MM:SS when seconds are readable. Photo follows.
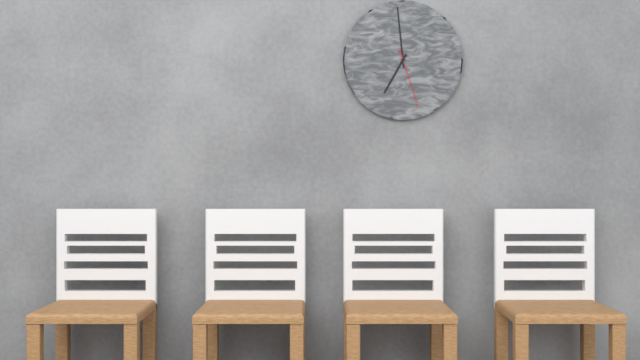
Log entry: **6:59:27**
